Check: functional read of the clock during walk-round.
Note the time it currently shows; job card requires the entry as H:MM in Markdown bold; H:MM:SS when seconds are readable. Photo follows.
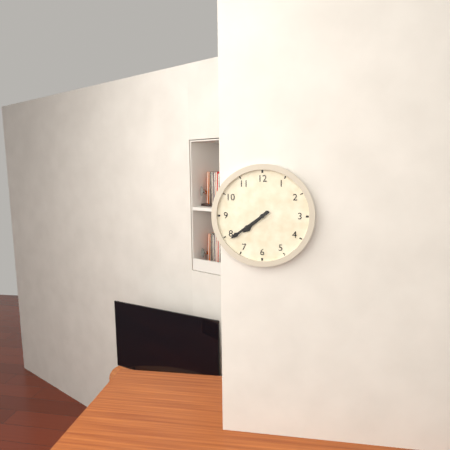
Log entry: **7:39**
